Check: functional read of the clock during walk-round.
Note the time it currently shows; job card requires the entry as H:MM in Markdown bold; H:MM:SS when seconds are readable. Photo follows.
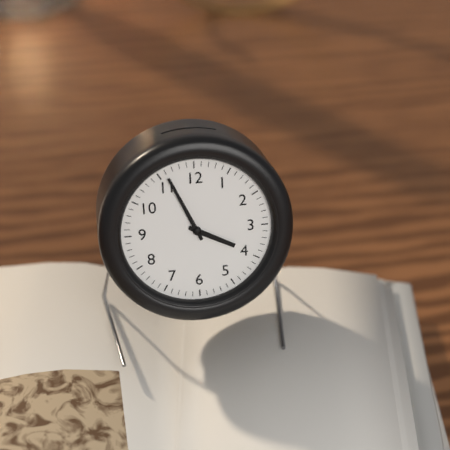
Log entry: **3:56**
